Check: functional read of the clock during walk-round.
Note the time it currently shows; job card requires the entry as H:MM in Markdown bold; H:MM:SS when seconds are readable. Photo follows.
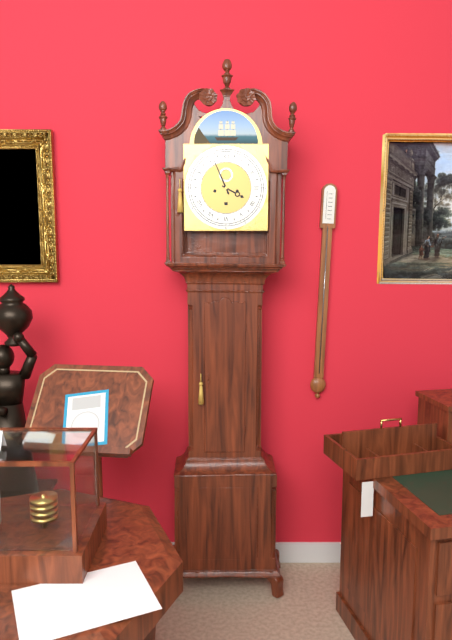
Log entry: **3:56**
